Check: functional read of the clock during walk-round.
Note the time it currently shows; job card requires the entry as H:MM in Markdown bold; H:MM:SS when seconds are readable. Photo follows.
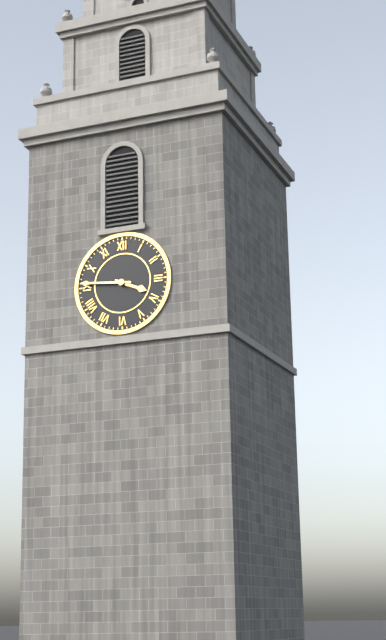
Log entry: **3:46**
